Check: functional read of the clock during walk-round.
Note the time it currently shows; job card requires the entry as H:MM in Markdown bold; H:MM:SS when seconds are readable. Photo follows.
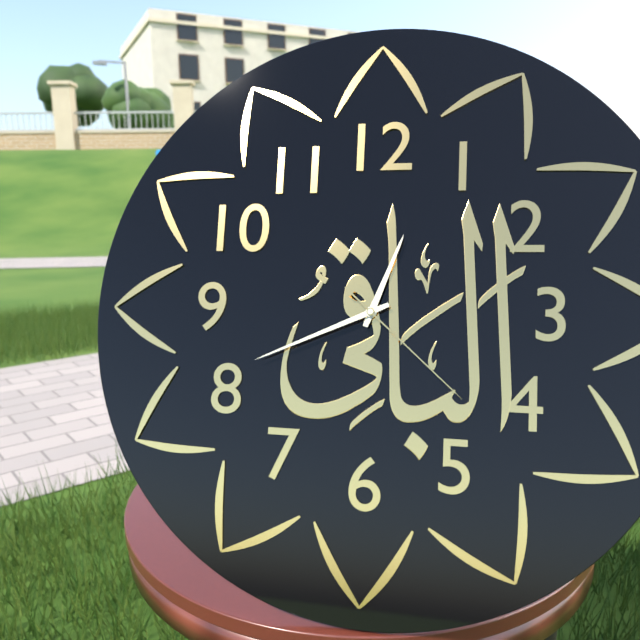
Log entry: **12:41:22**
